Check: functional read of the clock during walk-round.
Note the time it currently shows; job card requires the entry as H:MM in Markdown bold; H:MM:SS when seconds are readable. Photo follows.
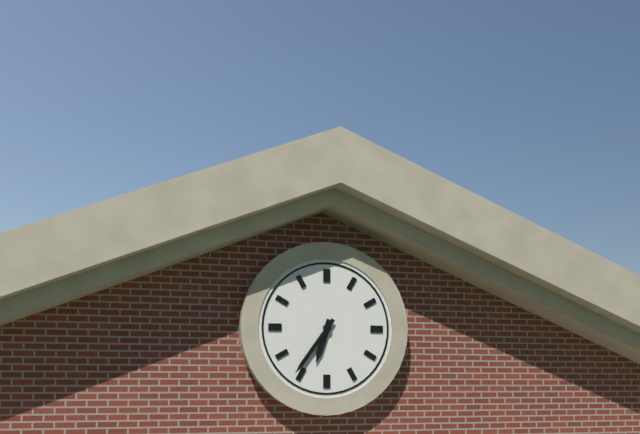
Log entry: **6:36**
